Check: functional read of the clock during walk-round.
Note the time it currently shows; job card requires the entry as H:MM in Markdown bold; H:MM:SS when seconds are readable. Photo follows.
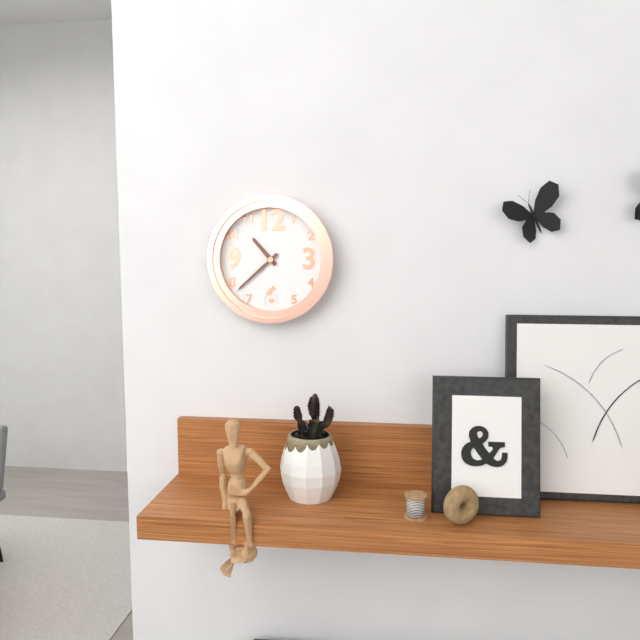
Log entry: **10:38**
